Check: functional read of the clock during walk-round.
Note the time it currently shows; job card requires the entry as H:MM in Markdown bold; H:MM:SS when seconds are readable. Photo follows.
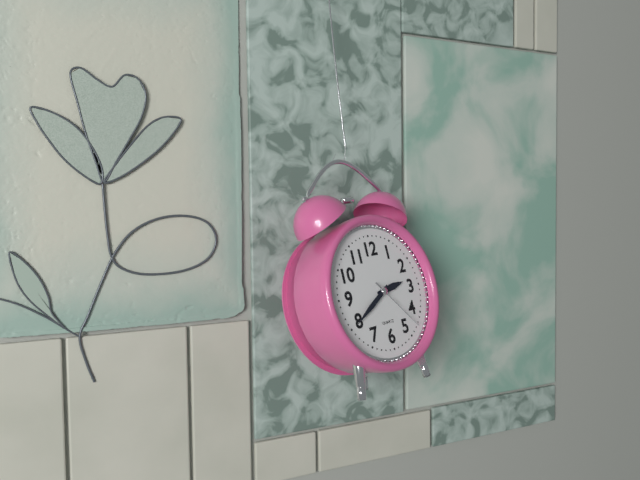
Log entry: **2:40:23**
